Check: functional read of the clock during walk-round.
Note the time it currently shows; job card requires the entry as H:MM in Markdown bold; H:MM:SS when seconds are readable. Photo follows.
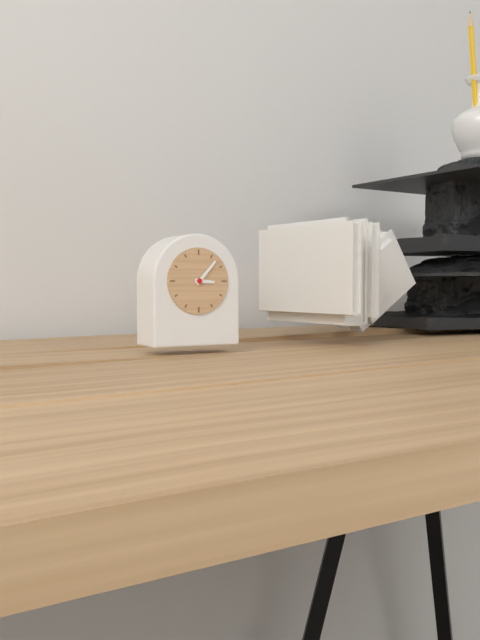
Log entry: **3:07**
